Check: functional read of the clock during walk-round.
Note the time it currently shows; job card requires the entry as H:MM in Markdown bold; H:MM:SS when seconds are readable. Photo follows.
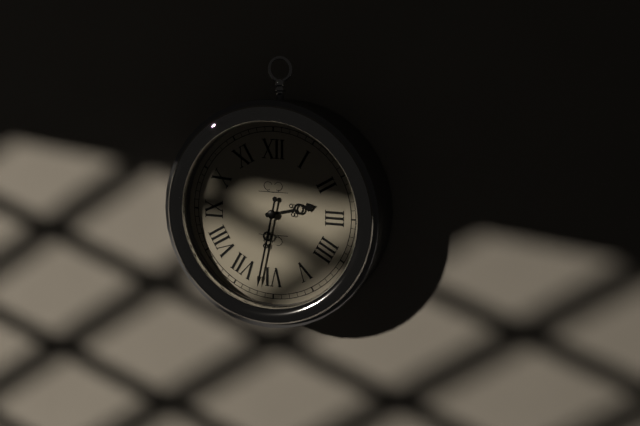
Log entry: **2:32**
